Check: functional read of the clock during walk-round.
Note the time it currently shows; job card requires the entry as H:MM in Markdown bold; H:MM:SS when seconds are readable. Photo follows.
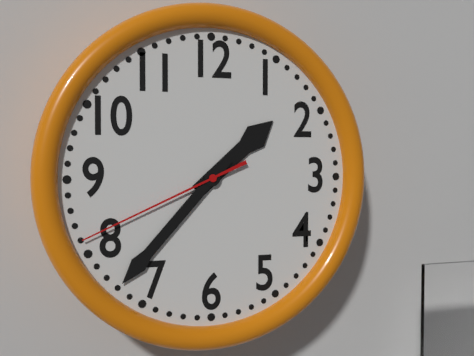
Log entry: **1:37:41**
